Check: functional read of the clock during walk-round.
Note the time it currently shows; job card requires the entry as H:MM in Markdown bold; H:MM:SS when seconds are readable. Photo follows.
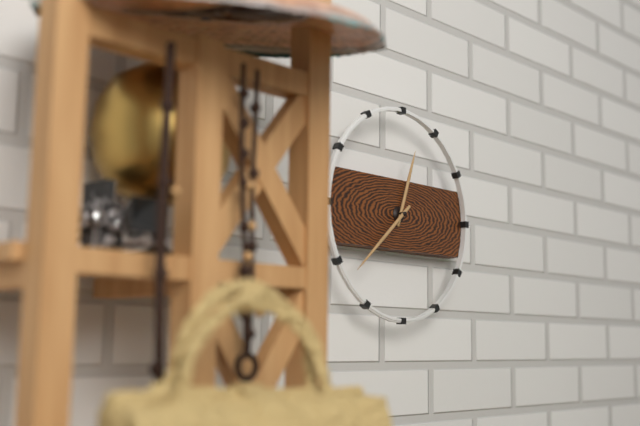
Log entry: **12:38**
